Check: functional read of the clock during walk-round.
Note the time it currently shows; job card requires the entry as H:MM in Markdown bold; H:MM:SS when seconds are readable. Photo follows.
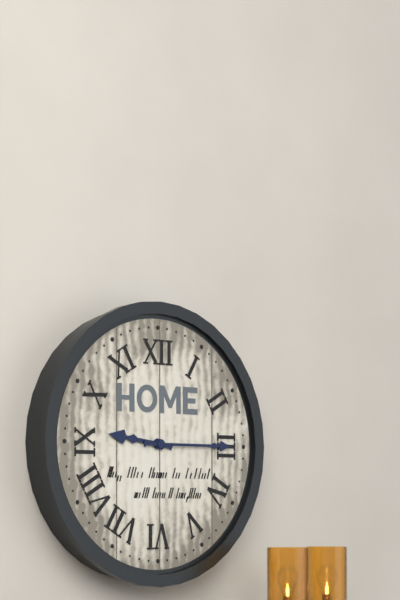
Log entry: **9:15**
